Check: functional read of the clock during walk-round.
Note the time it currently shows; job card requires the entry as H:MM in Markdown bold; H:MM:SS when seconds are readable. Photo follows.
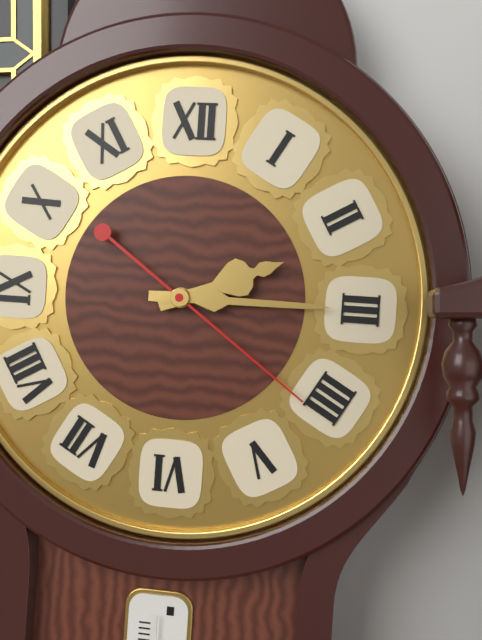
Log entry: **2:15:21**
